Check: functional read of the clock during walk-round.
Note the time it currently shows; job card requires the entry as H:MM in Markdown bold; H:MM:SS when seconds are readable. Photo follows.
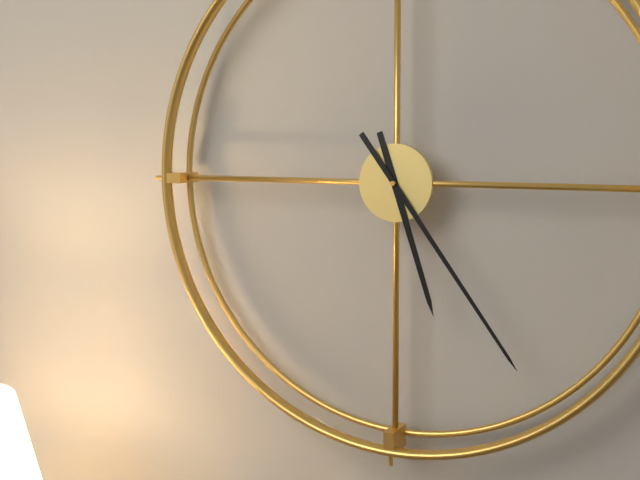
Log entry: **5:24**
